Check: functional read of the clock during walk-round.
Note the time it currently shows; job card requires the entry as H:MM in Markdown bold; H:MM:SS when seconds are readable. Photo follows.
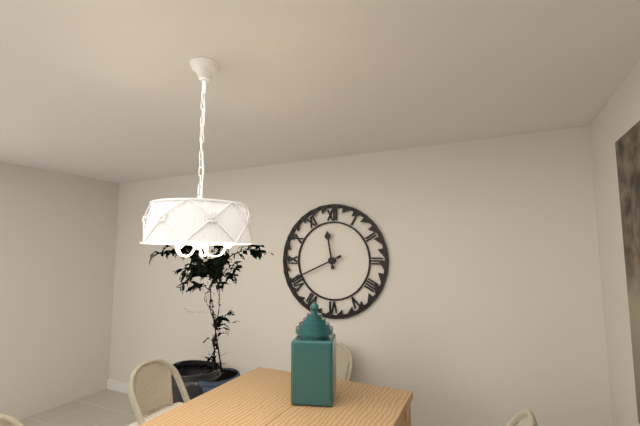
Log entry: **11:41**
